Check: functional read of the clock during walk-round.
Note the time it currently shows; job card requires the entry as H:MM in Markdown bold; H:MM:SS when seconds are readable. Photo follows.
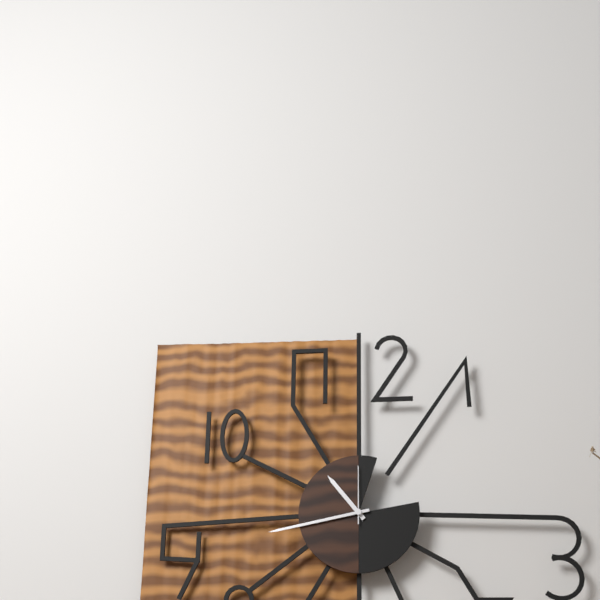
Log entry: **10:43:00**
